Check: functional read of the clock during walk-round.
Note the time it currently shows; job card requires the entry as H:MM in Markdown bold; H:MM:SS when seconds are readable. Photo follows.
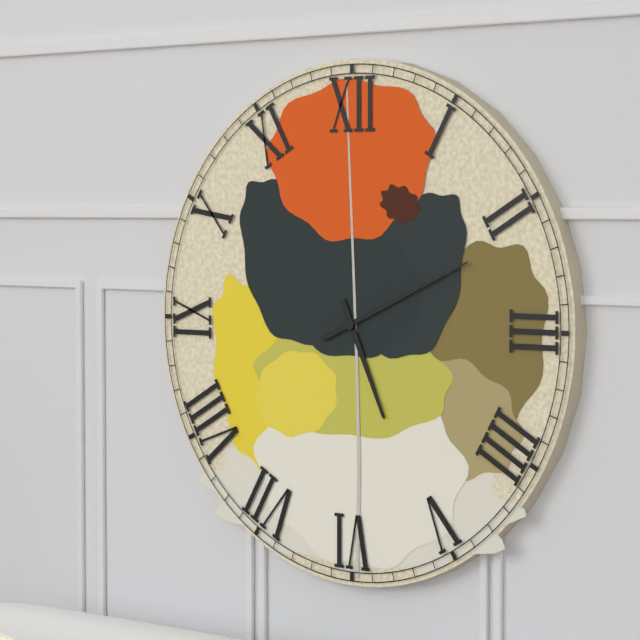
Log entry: **5:11**
